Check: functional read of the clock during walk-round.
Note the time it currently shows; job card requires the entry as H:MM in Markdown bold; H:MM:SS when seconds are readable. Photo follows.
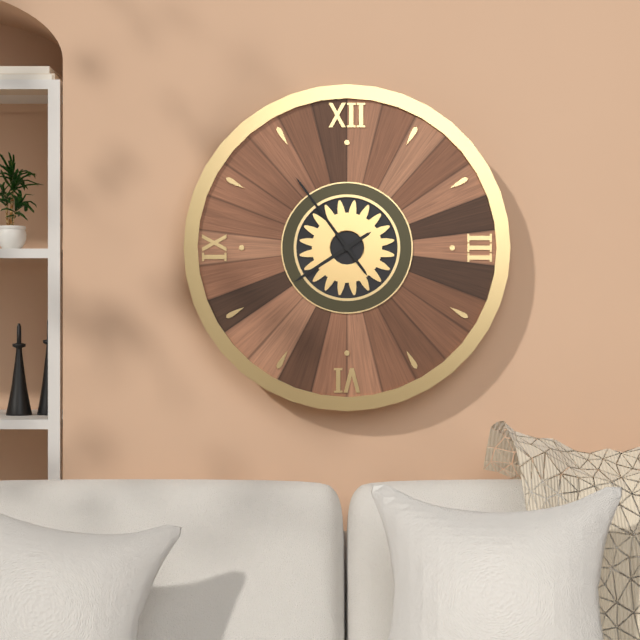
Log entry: **7:54**
